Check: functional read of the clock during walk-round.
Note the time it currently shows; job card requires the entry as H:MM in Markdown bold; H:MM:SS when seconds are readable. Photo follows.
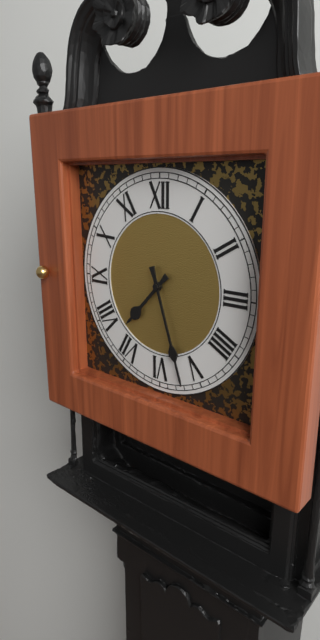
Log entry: **7:27**
